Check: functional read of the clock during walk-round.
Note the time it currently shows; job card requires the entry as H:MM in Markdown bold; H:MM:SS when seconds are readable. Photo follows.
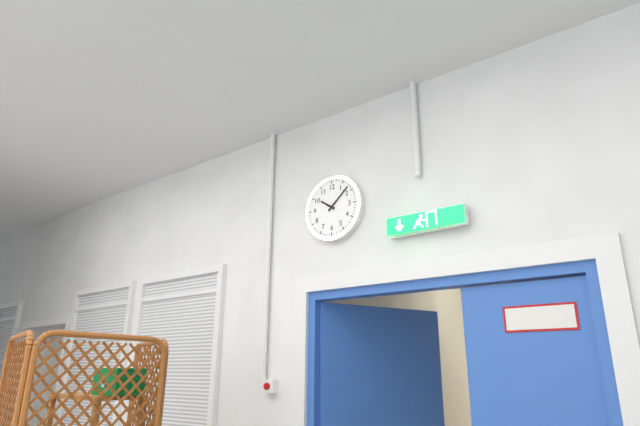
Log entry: **10:08**
